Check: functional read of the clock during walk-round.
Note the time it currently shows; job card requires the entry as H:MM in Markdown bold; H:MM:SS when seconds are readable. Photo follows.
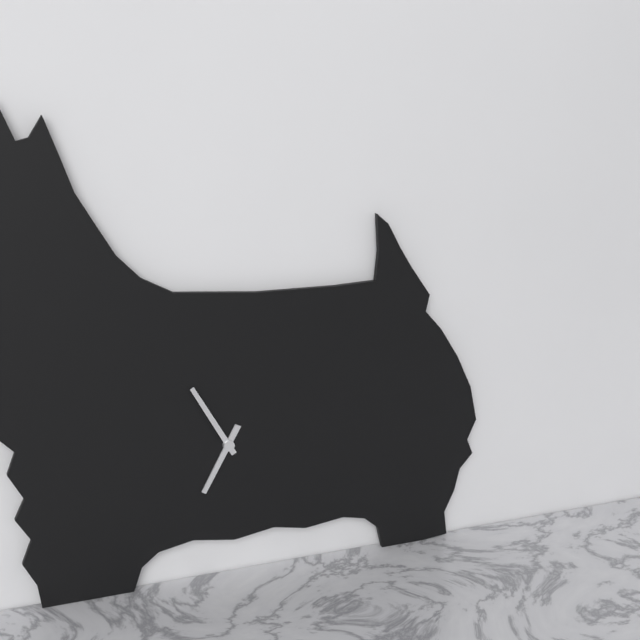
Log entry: **6:55**
